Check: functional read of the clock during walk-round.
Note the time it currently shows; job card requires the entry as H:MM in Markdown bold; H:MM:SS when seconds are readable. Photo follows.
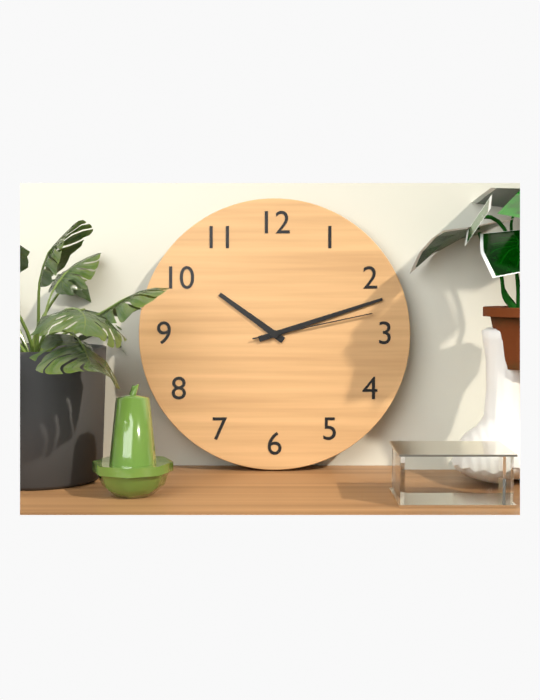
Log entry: **10:12:13**
